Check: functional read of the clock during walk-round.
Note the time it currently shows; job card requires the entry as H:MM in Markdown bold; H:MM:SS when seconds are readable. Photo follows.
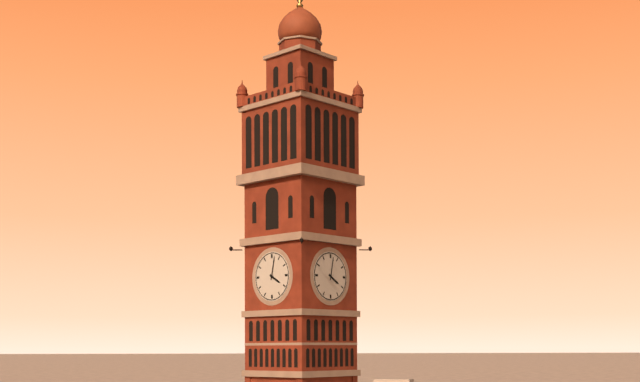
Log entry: **4:02**
